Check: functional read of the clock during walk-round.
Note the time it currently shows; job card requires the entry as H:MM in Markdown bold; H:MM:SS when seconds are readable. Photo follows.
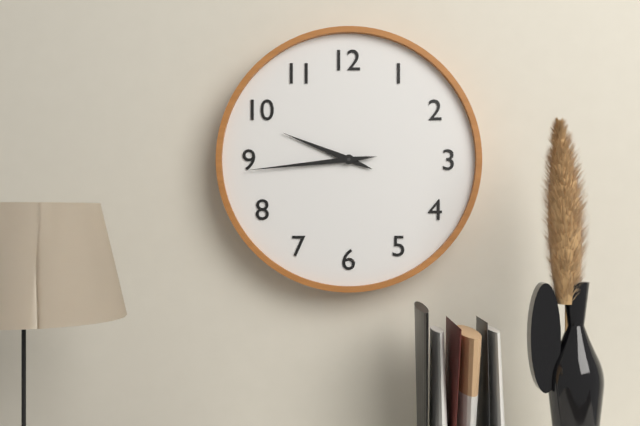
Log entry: **9:44**
